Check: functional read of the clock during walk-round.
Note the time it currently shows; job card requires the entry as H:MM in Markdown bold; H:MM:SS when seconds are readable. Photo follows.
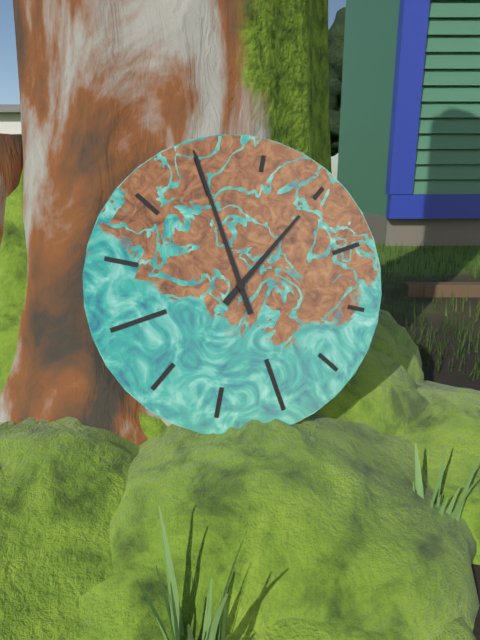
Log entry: **2:00**
